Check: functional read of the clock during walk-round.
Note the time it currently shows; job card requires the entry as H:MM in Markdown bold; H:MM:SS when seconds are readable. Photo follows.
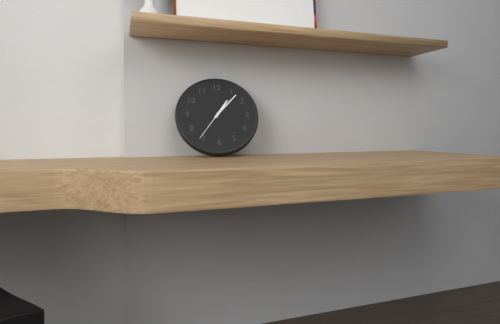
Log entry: **1:07**
